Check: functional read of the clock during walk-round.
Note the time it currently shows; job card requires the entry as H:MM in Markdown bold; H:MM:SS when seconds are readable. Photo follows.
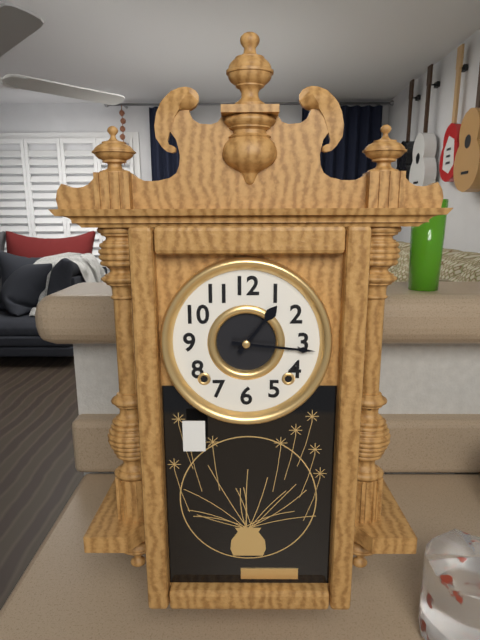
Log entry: **1:16**
